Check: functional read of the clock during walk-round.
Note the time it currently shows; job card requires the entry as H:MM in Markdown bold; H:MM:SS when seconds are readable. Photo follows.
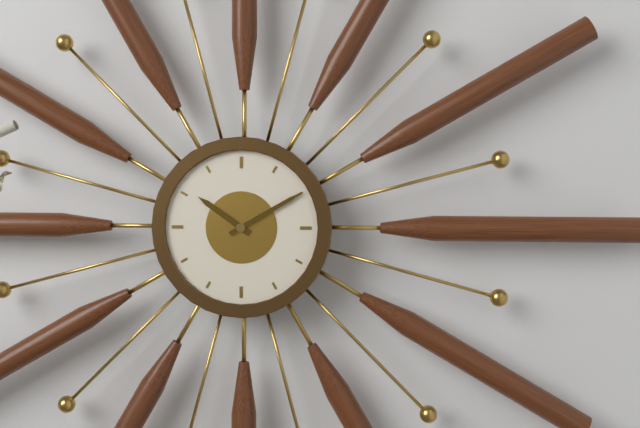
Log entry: **10:10**
